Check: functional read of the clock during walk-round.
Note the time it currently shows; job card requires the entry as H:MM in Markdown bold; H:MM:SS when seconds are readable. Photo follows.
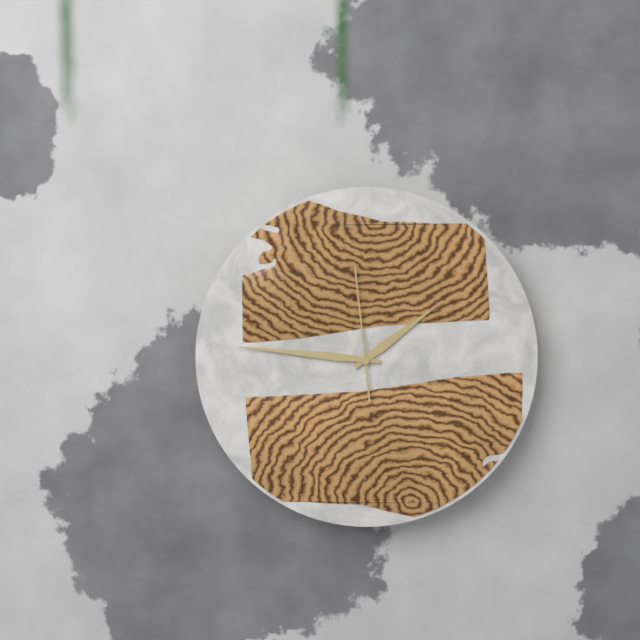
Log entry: **1:46:59**
